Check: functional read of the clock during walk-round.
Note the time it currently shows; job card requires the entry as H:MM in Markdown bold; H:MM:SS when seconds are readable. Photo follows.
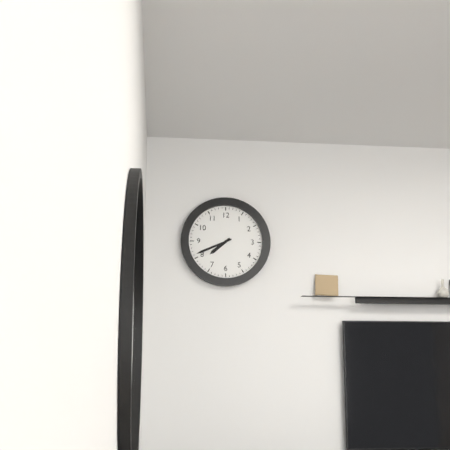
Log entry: **7:41**
